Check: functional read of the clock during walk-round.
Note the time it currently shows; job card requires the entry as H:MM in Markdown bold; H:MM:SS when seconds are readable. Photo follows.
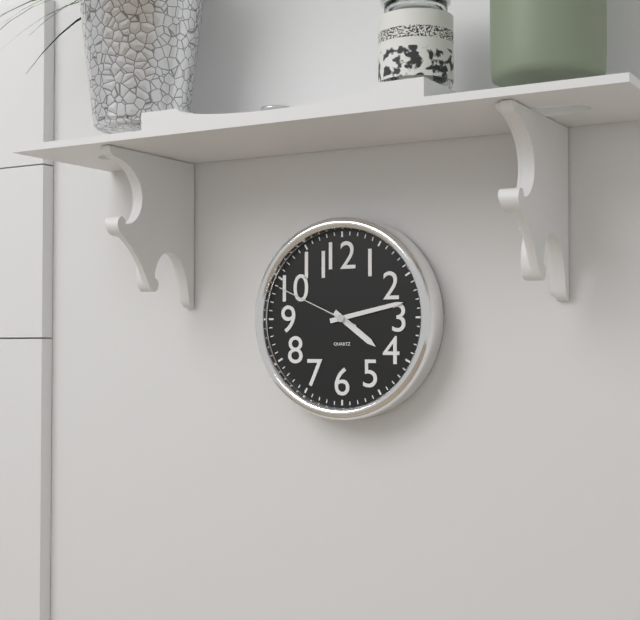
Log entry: **4:13:49**
